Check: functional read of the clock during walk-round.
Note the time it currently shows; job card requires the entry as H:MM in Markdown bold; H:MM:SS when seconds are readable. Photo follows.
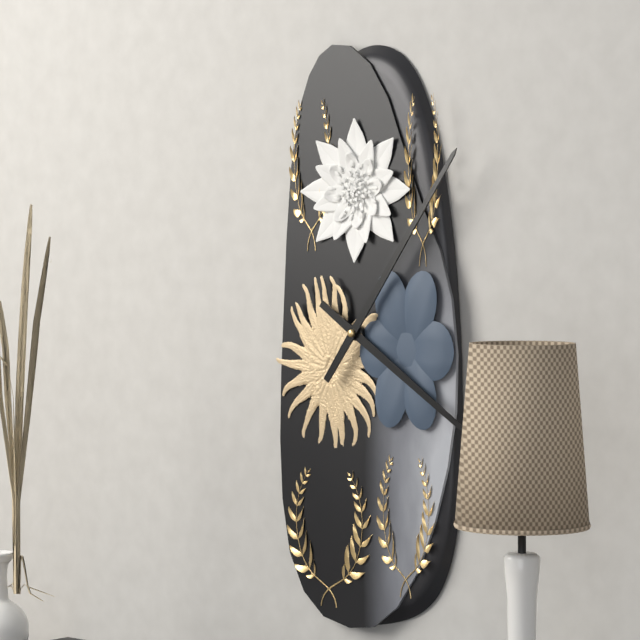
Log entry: **4:06**
